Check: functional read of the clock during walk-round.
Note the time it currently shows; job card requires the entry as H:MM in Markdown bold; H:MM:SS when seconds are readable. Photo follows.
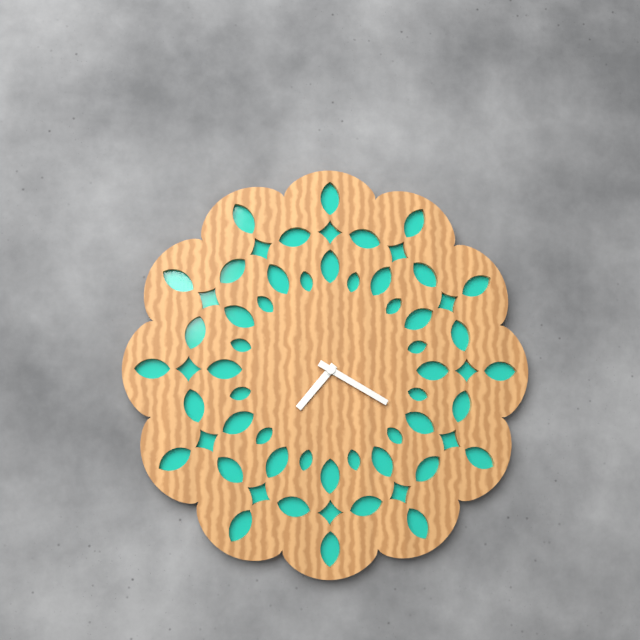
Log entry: **7:20**
